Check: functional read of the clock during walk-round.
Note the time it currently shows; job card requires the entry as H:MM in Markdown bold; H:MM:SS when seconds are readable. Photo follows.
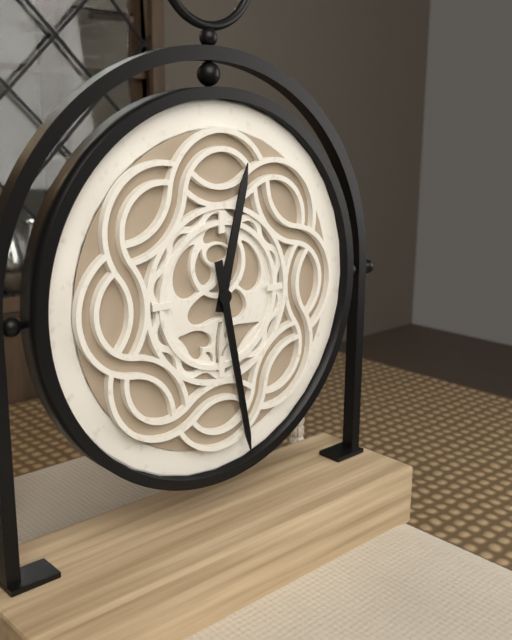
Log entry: **12:28**
